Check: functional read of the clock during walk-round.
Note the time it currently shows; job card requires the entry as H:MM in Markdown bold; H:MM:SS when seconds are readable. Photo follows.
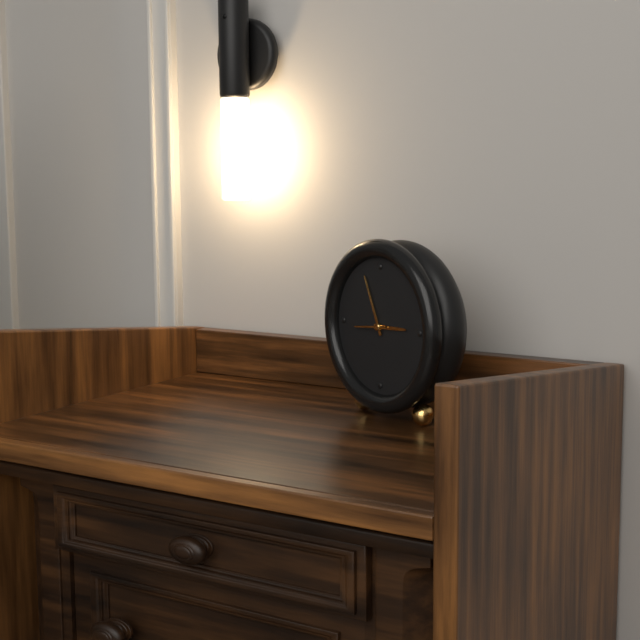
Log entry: **2:56**
